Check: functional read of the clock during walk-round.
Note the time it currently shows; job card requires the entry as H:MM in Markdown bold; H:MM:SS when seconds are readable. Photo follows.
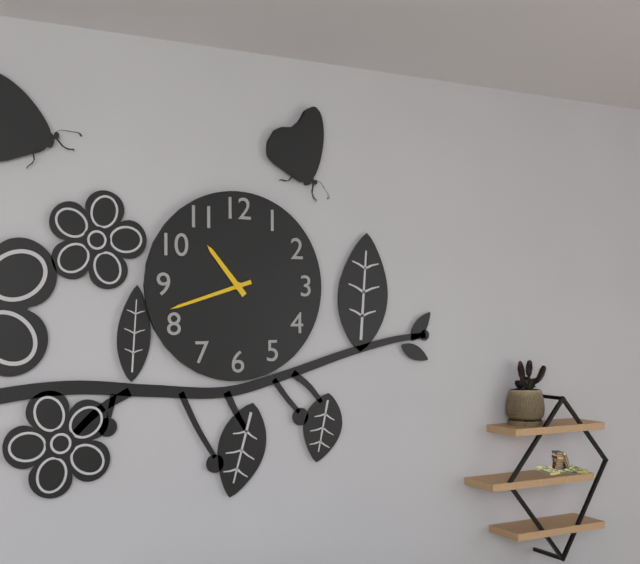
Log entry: **10:42**
